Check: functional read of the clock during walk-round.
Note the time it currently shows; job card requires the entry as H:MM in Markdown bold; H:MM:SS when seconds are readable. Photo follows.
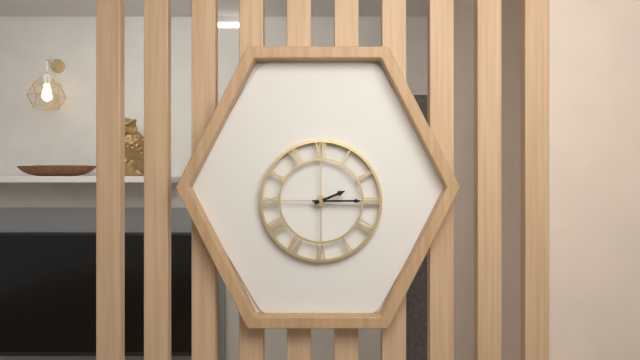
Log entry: **2:15**
